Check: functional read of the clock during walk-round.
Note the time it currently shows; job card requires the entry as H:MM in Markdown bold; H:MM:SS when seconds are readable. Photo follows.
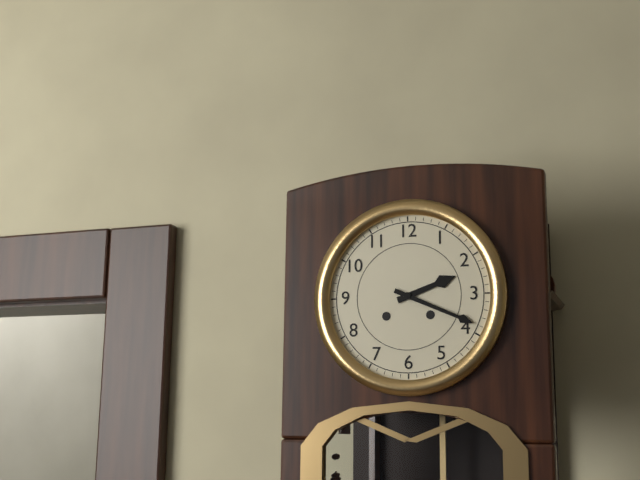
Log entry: **2:19**
